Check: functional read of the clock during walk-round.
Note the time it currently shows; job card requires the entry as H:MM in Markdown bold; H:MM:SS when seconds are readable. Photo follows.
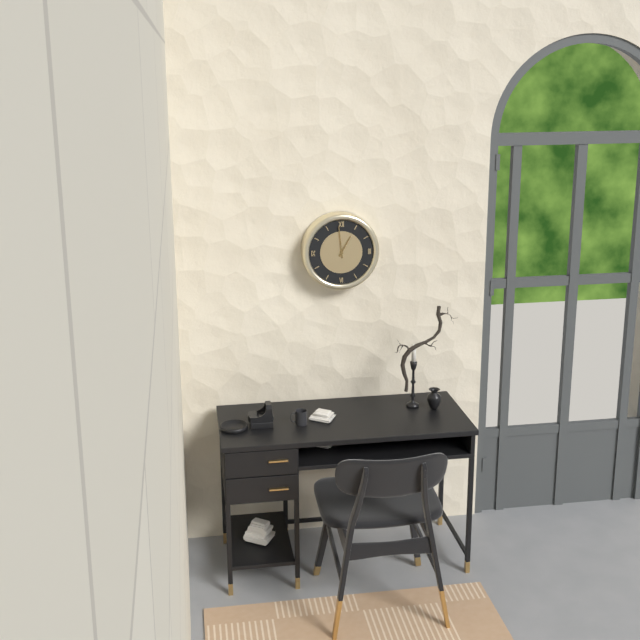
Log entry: **12:59**
